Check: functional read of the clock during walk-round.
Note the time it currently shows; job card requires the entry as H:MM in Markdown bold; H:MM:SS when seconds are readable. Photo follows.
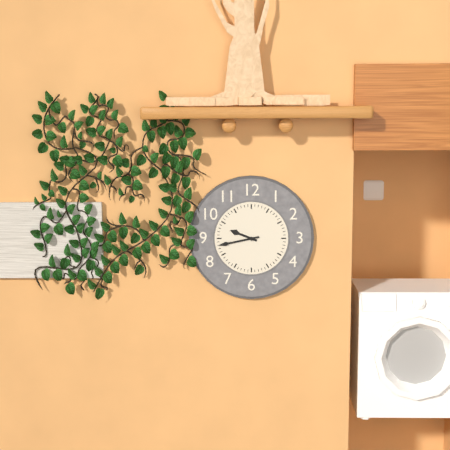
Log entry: **9:43**
